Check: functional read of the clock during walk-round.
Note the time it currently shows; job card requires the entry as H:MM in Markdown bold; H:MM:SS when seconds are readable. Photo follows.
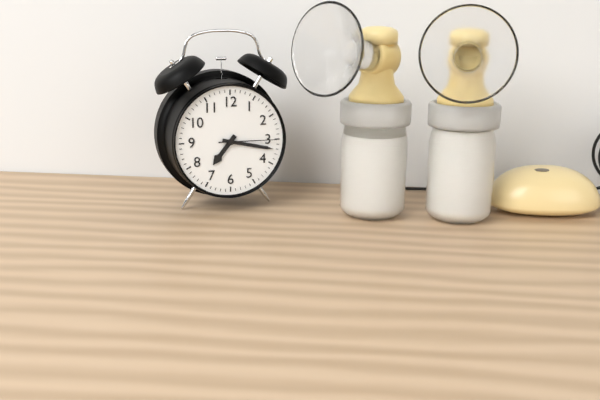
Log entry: **7:17:15**
